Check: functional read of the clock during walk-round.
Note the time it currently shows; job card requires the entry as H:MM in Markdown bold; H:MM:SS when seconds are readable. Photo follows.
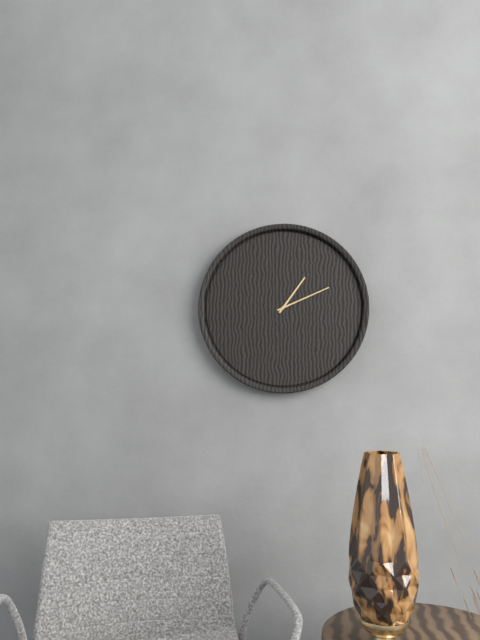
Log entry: **1:11**
